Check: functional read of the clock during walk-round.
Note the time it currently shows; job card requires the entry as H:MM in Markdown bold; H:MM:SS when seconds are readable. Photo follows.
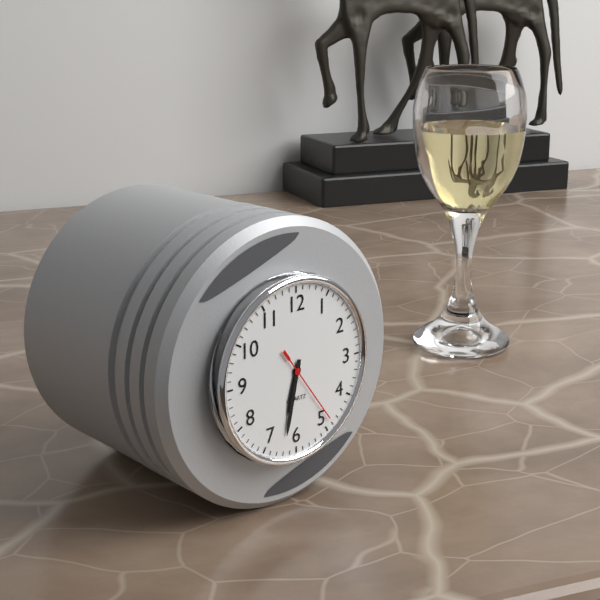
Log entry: **6:32:24**
